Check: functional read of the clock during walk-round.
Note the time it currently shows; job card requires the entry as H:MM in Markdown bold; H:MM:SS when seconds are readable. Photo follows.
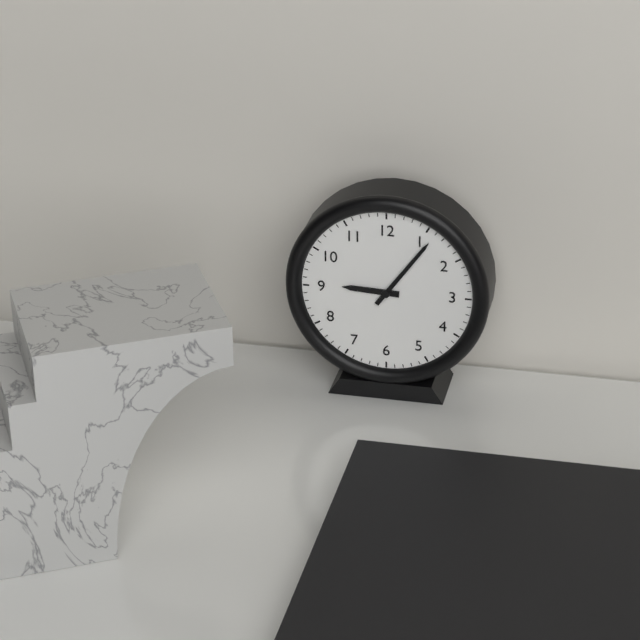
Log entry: **9:06**
